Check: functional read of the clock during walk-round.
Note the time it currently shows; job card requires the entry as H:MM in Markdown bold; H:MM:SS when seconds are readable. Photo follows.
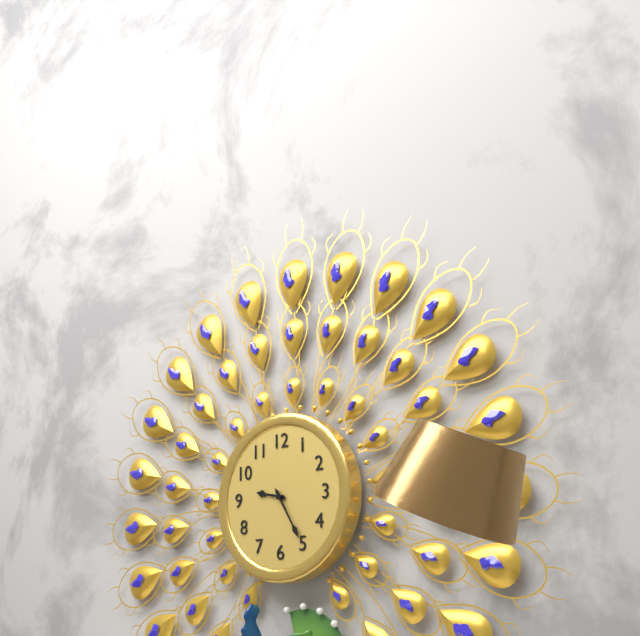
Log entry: **9:25**
